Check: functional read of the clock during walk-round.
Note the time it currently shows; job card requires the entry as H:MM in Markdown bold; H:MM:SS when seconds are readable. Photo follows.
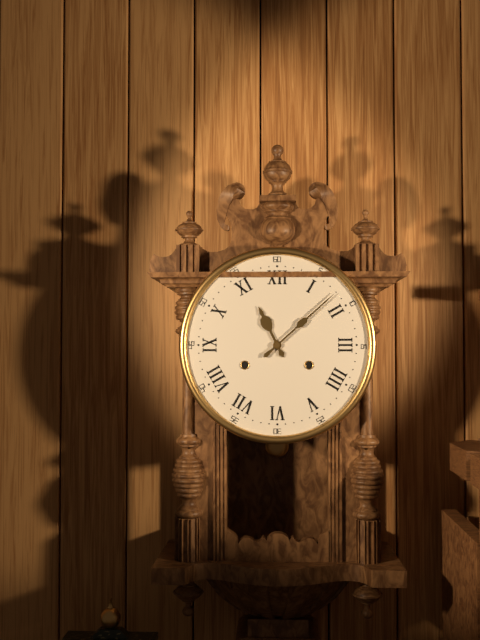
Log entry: **11:08**
